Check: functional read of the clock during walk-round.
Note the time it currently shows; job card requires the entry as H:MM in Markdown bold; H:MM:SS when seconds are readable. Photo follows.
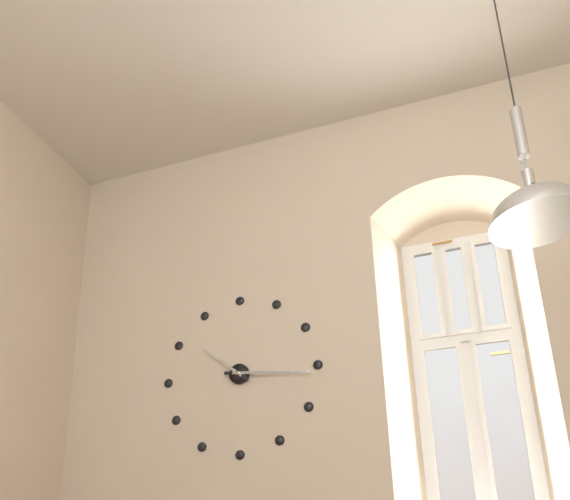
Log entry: **10:16**
